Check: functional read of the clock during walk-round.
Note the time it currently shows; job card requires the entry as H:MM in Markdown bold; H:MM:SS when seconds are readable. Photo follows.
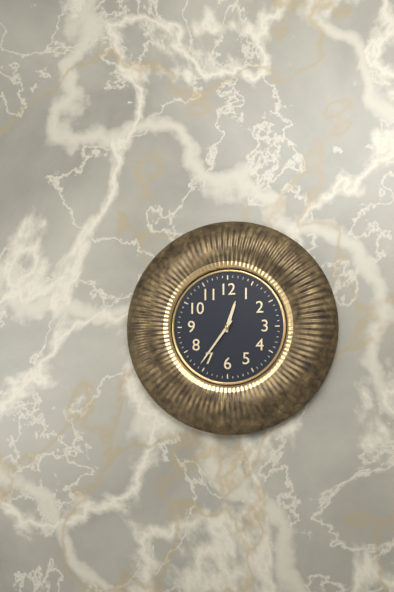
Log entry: **12:36**
